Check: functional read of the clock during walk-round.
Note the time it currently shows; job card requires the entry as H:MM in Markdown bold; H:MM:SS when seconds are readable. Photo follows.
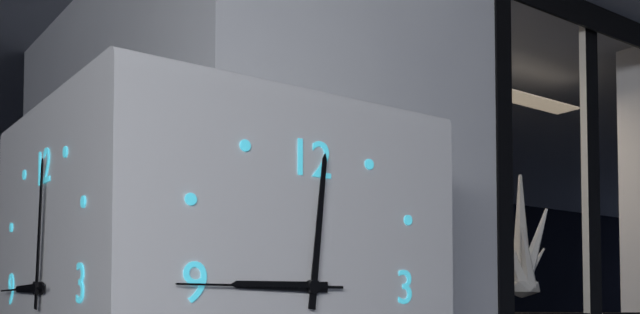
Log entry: **9:01:45**
